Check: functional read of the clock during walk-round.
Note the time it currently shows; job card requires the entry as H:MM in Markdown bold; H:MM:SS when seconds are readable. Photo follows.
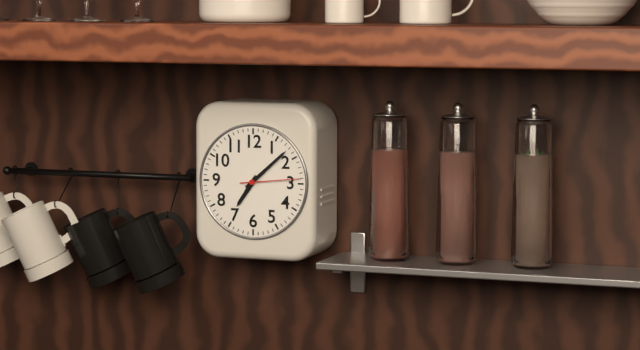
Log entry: **7:08:14**
